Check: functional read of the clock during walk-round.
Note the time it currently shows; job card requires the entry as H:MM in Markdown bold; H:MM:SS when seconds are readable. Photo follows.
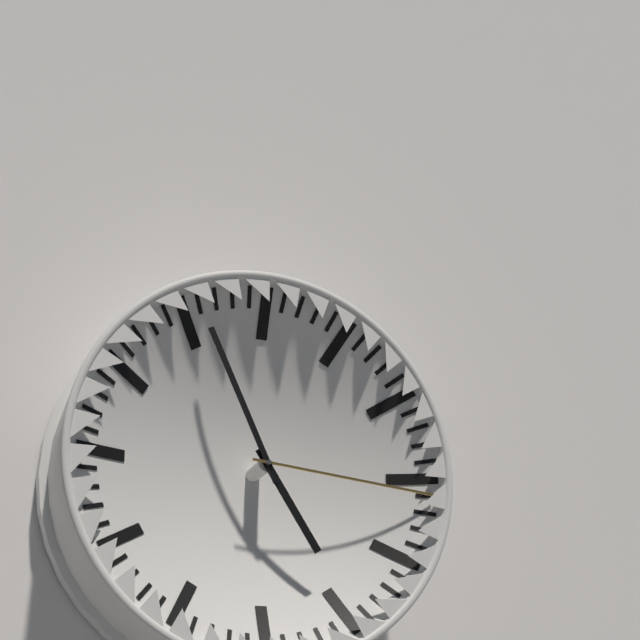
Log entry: **4:56:16**
